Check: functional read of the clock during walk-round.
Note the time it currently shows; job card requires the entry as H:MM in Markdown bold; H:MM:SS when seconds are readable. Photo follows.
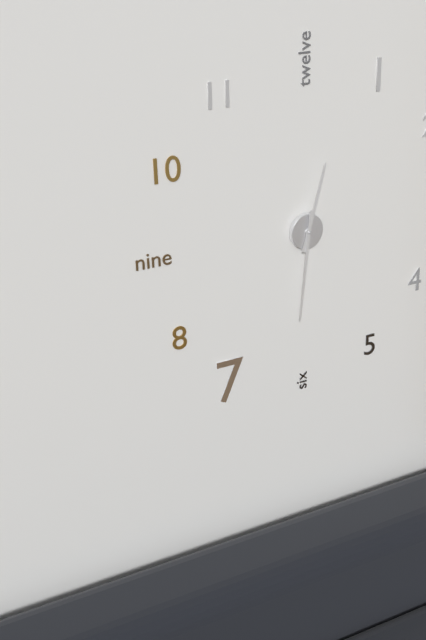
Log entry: **12:31**
